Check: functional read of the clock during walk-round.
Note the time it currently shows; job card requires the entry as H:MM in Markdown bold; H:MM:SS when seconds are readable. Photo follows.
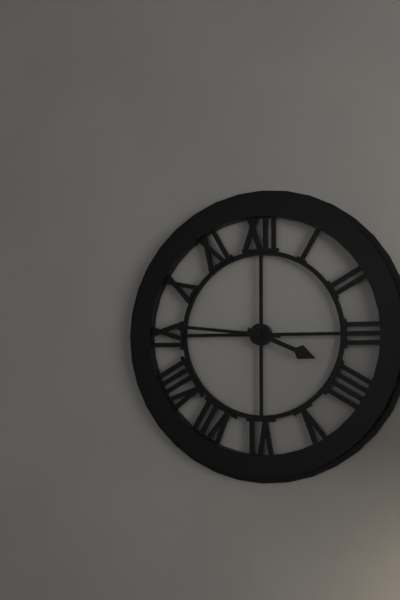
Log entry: **3:46**
